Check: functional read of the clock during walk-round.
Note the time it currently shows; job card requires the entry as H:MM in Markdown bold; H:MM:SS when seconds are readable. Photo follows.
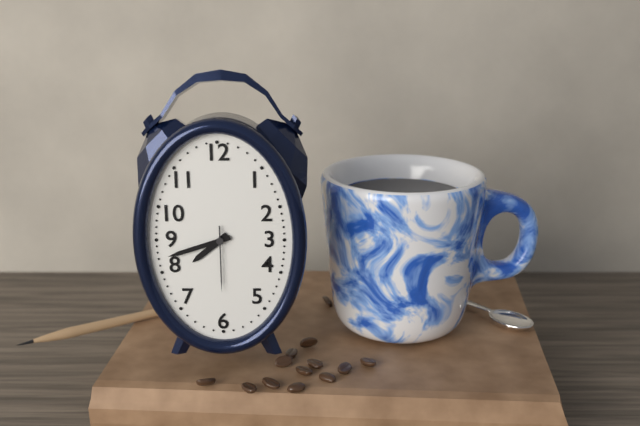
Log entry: **7:42:30**
